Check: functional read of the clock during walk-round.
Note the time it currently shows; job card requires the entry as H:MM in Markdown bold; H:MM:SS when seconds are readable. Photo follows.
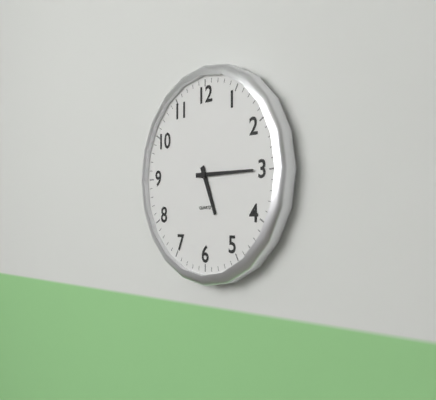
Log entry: **5:15**
